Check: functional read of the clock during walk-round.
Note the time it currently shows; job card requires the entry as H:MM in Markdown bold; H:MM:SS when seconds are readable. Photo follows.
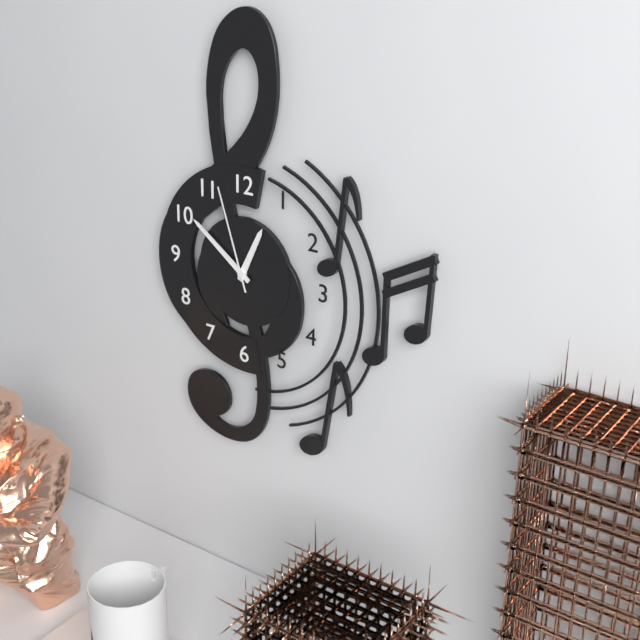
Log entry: **12:51:57**
